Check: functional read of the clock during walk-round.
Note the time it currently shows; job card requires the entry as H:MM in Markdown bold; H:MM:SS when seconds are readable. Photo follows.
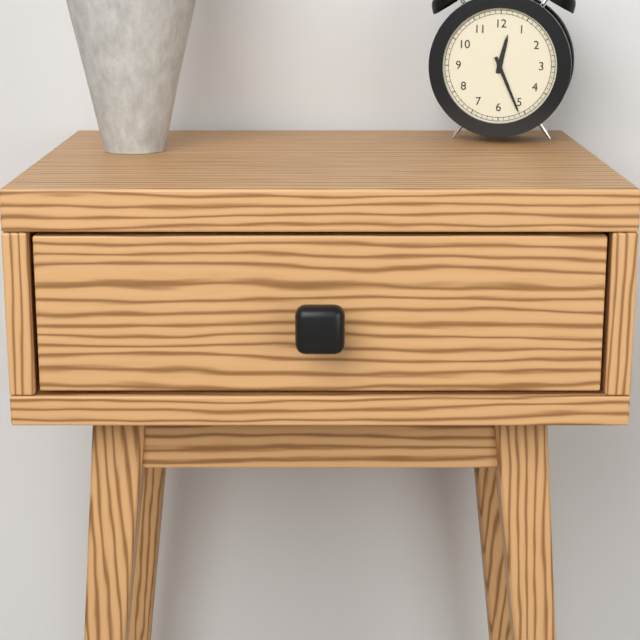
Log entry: **12:26**
